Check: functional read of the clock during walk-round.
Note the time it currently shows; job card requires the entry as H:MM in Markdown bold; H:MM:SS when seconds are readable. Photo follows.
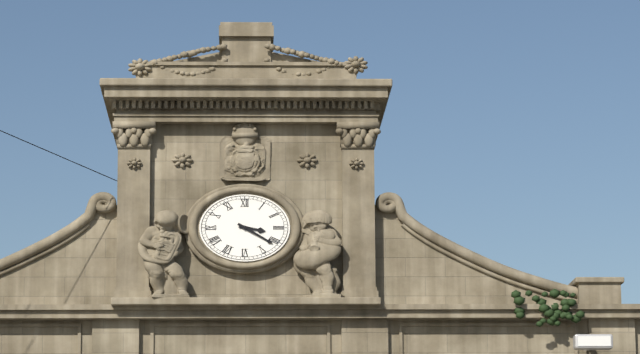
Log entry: **3:20**
